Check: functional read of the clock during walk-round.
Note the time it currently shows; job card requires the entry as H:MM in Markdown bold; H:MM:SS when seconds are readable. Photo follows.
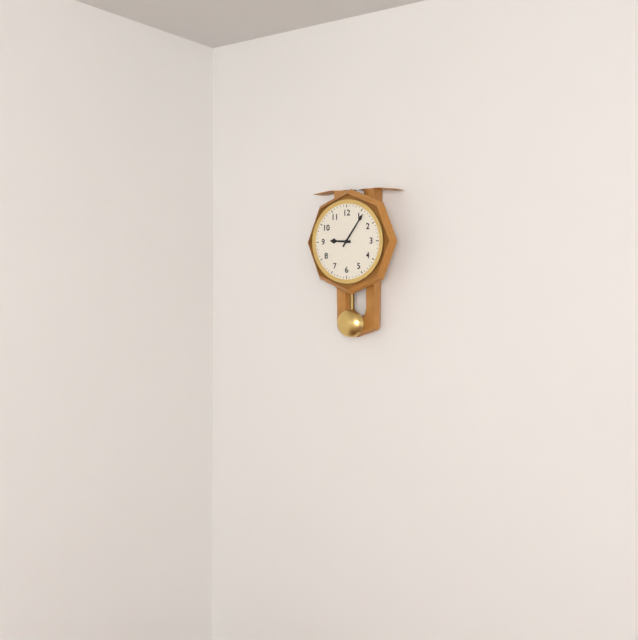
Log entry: **9:06**
